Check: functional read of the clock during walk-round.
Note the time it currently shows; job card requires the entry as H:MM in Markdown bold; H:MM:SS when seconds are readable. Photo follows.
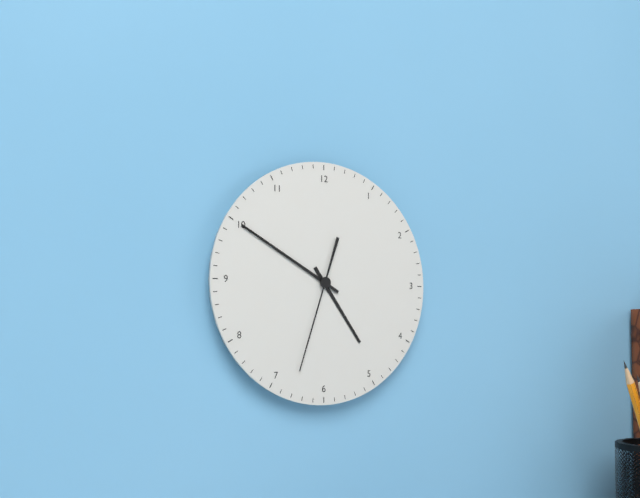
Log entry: **4:50:33**
